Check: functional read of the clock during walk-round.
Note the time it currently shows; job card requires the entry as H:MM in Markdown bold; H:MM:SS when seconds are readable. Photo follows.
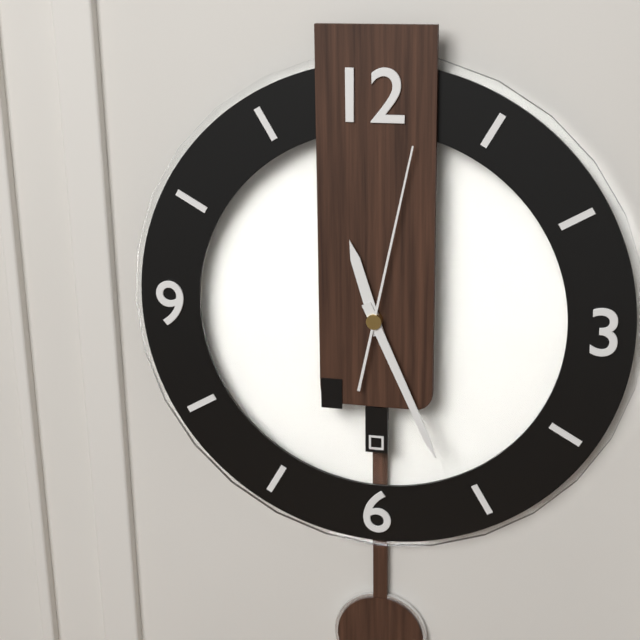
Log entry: **11:26:02**
